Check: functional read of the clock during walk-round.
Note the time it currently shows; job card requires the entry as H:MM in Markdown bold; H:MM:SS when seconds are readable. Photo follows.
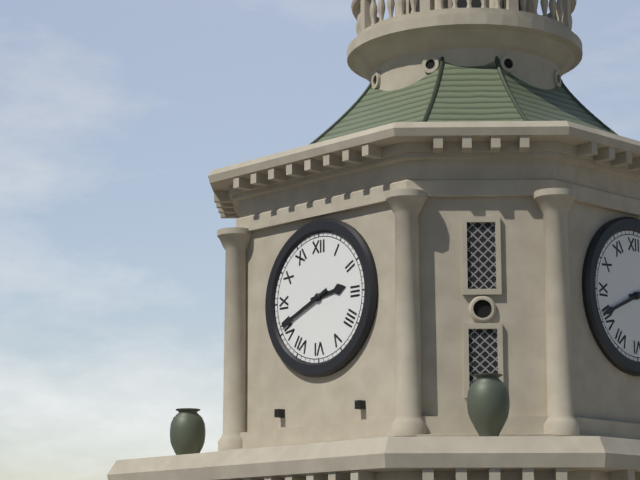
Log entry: **2:41**
